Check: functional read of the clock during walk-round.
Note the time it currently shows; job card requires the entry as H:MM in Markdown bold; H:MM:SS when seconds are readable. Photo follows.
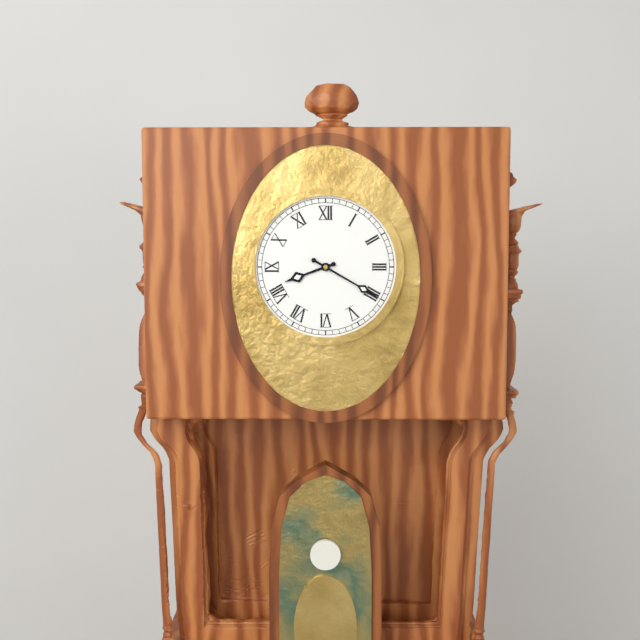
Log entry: **8:20**
